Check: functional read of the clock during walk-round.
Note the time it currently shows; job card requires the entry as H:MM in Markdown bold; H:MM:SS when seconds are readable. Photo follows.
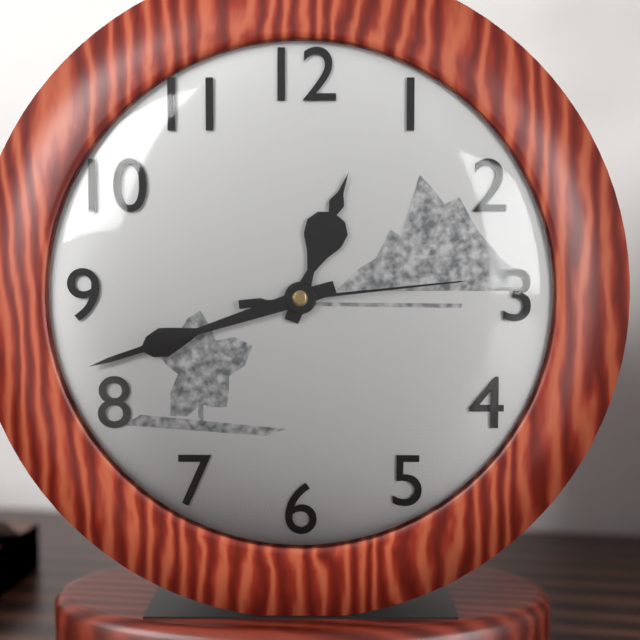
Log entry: **12:42:14**
